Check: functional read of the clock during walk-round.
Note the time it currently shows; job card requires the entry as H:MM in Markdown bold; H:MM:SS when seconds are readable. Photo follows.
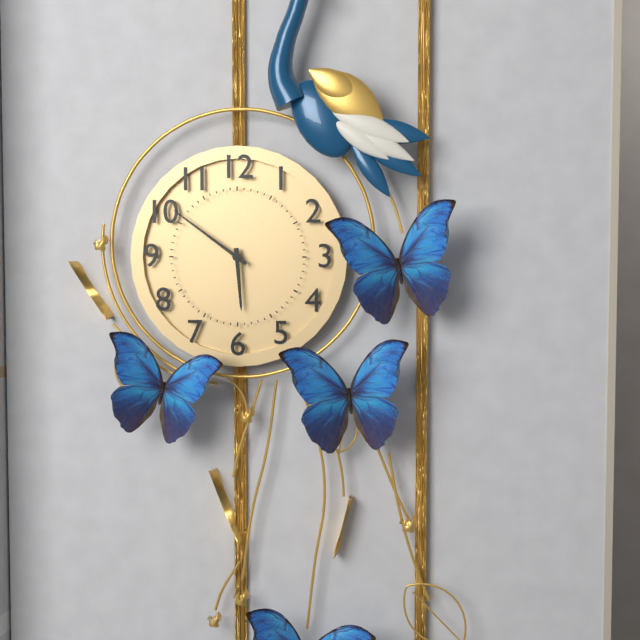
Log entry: **5:51**
